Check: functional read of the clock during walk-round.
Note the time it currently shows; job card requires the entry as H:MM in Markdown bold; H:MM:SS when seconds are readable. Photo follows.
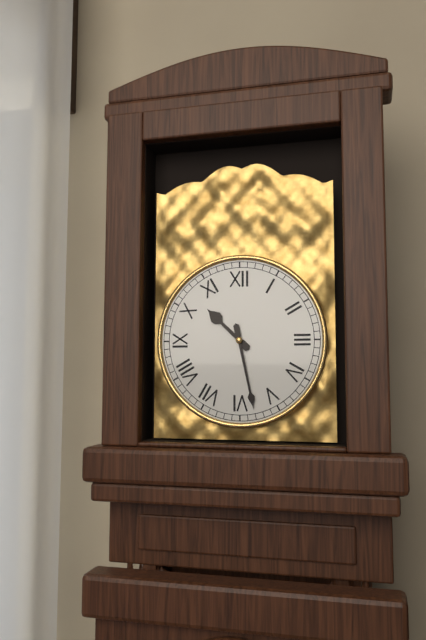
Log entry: **10:28**
